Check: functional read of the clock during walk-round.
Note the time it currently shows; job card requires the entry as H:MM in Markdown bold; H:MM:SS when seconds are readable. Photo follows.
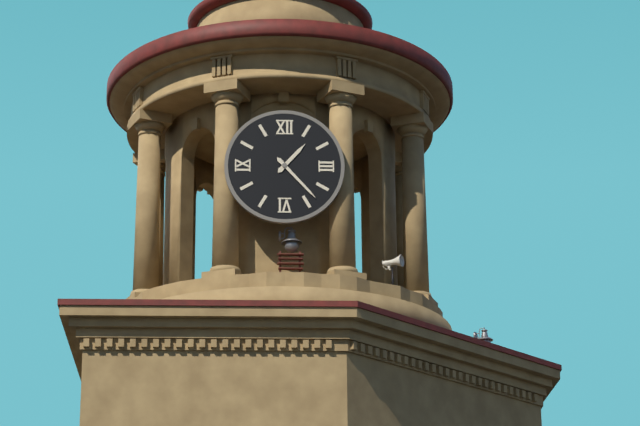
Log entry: **1:23**
